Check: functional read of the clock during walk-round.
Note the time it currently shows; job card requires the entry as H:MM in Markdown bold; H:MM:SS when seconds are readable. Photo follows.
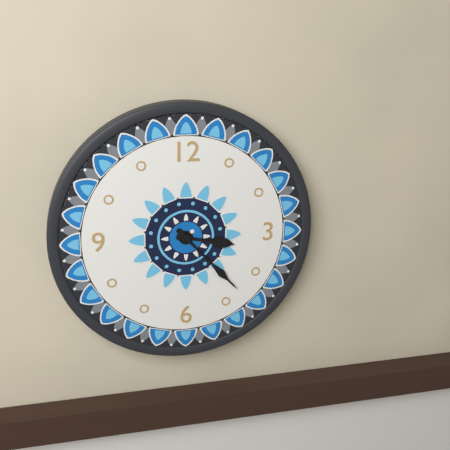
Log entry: **3:23**
